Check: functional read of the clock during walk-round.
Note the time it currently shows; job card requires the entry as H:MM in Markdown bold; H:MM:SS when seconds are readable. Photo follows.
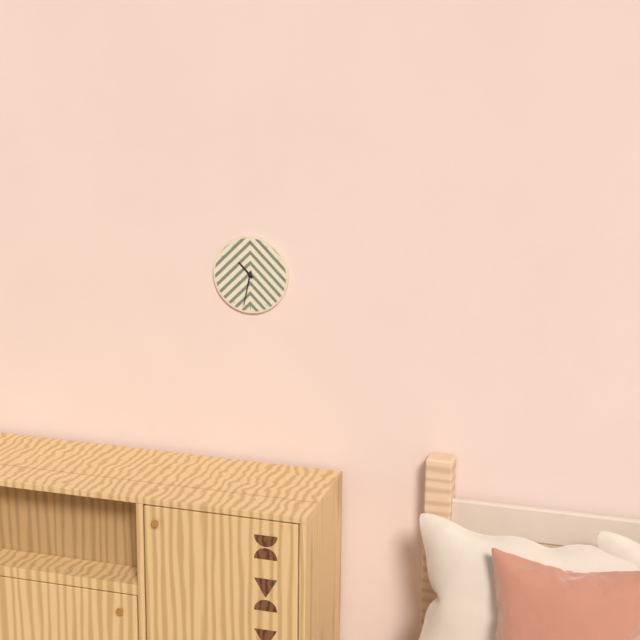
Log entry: **10:32**
